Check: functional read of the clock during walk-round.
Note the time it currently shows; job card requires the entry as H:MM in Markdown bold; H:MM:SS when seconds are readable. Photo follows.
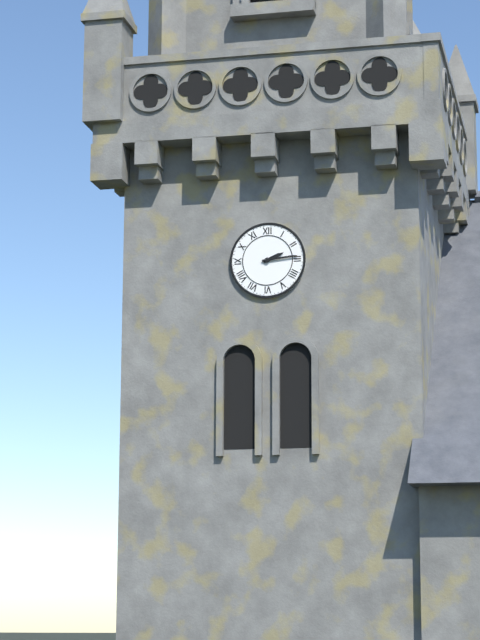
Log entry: **2:14**
